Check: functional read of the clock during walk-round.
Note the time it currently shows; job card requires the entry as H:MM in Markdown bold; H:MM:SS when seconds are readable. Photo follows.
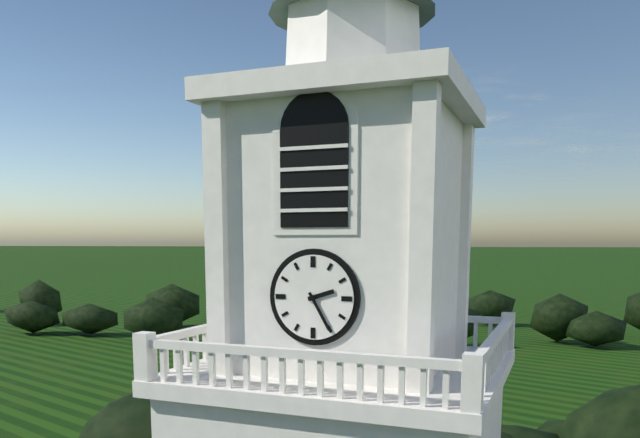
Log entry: **2:25**
